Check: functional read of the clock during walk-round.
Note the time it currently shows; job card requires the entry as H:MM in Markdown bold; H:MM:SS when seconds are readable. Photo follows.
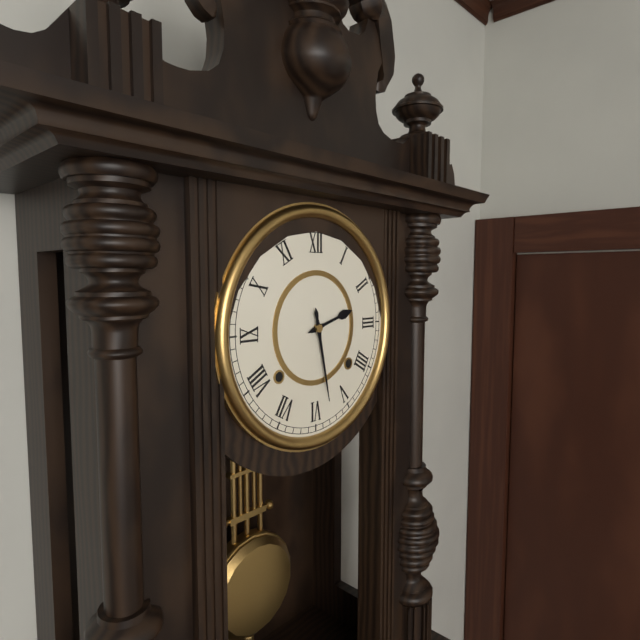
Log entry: **2:28**
